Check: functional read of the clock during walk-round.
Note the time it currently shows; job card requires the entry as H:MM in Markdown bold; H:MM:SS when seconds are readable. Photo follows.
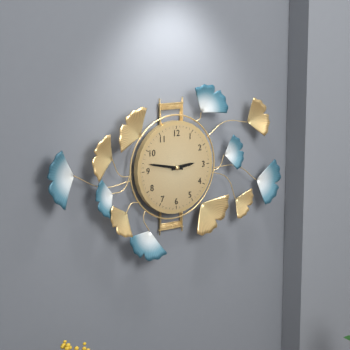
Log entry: **2:47**
